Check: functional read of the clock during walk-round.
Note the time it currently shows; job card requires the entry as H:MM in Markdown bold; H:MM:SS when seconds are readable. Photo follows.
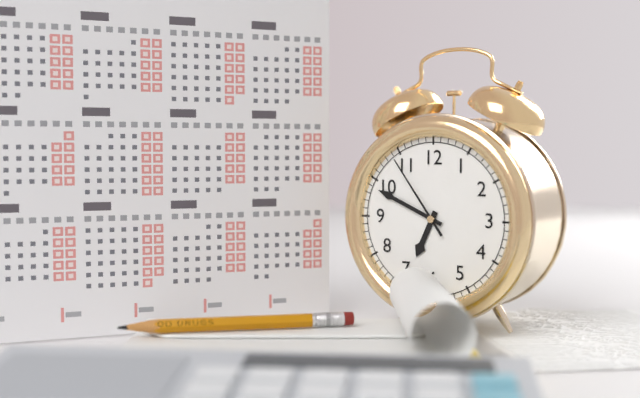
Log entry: **6:49:54**
